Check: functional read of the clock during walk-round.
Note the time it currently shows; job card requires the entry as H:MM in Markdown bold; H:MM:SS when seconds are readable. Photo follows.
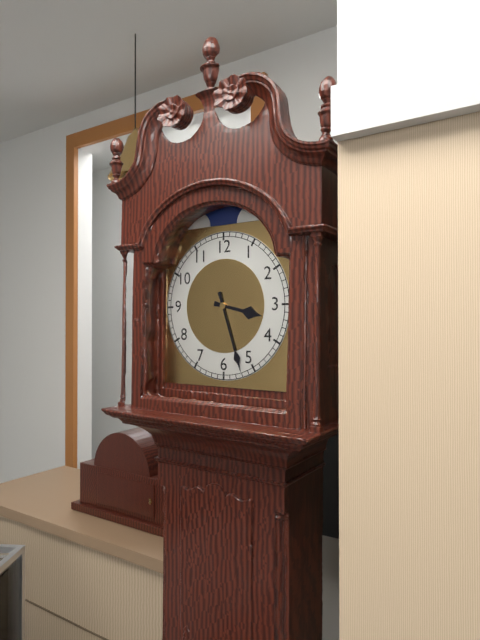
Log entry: **3:27**
